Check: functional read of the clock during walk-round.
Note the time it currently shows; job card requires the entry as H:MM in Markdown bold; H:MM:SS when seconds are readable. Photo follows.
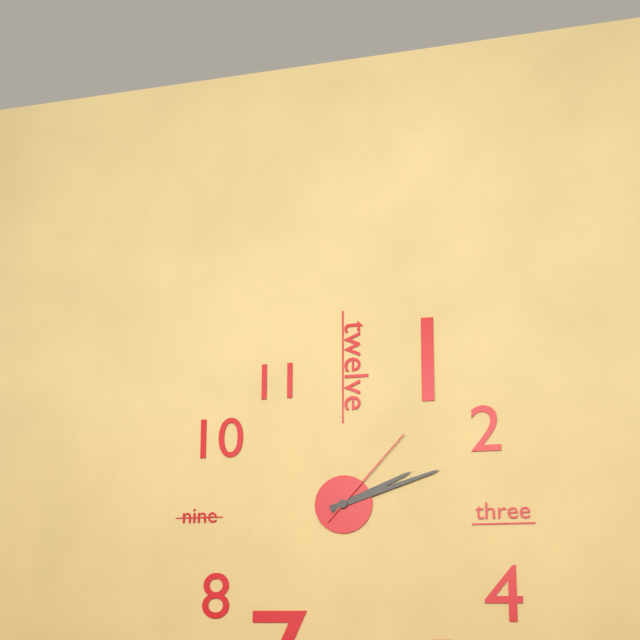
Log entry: **2:12:07**
